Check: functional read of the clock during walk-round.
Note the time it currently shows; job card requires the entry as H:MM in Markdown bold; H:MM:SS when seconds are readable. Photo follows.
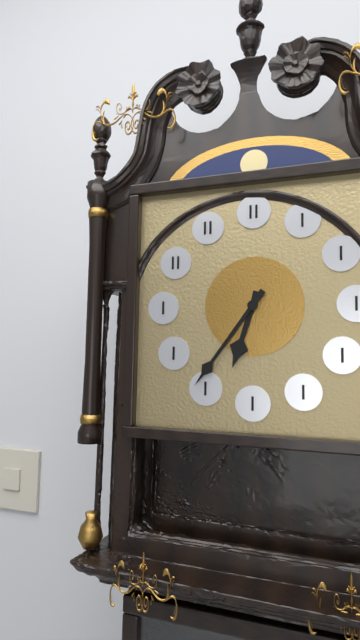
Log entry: **6:36**
